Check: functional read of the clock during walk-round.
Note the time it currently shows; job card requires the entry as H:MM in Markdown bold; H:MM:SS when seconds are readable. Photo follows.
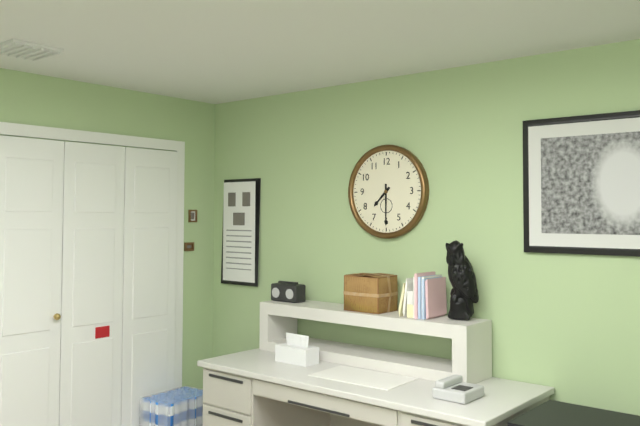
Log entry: **7:30**
